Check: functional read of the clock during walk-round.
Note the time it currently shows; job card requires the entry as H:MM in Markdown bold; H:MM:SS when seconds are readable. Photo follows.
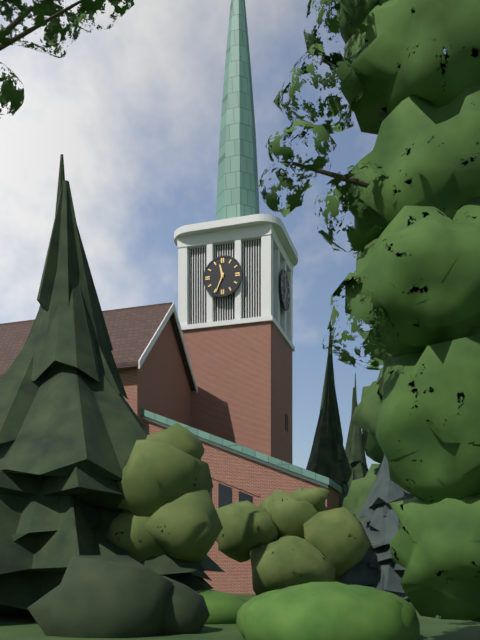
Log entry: **11:34**
